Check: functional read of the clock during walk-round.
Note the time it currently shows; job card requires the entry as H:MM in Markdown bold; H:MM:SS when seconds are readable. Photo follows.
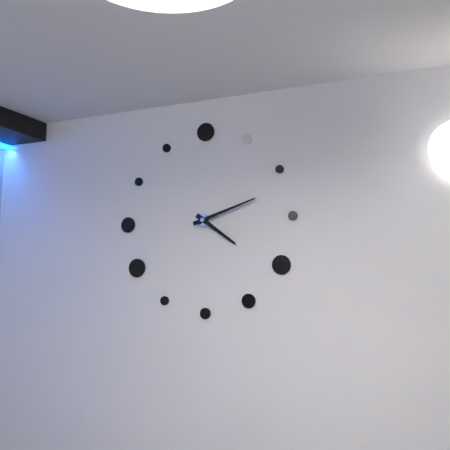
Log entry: **4:12**
